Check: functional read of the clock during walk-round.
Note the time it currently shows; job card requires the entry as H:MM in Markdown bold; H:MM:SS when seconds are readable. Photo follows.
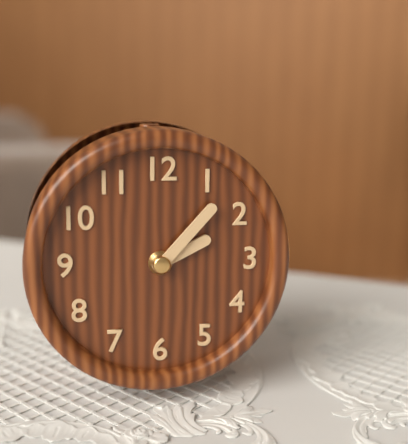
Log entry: **2:07**
